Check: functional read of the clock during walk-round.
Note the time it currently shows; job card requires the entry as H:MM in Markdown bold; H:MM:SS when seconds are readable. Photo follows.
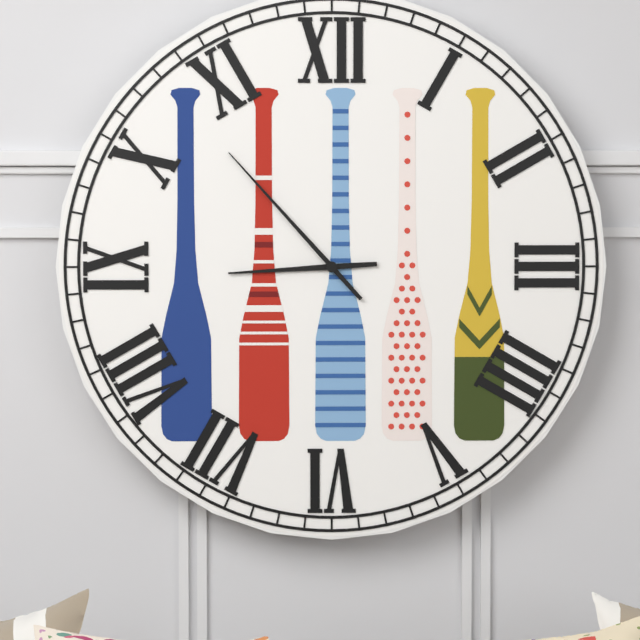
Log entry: **8:53**
